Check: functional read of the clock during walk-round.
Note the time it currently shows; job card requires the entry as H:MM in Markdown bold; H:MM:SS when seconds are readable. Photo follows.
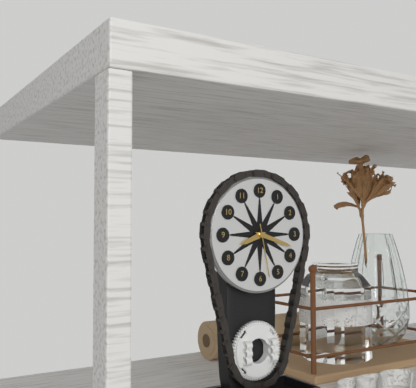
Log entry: **8:18:28**
